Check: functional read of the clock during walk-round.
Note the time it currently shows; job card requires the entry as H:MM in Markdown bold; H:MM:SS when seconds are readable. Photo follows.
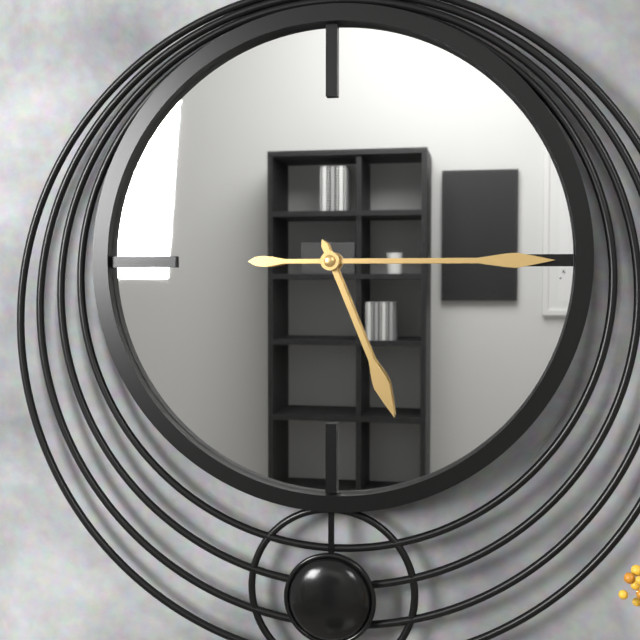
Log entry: **5:15**
